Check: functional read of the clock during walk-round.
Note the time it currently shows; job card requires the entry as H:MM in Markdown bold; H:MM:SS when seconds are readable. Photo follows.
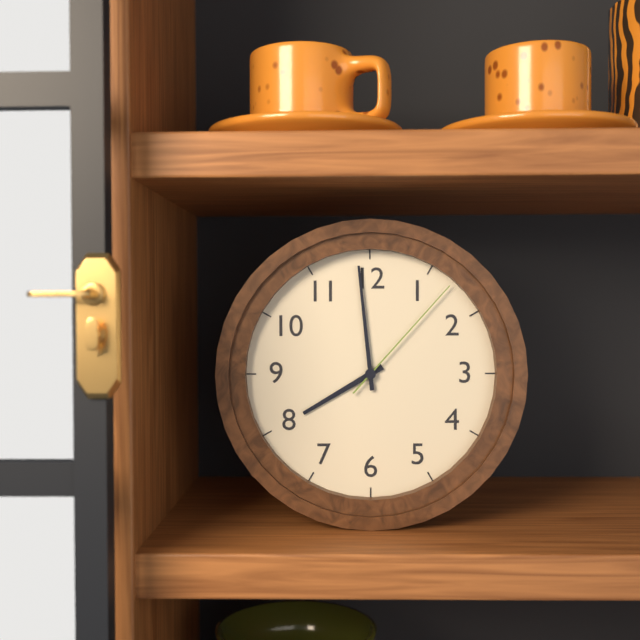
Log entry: **7:59:07**
